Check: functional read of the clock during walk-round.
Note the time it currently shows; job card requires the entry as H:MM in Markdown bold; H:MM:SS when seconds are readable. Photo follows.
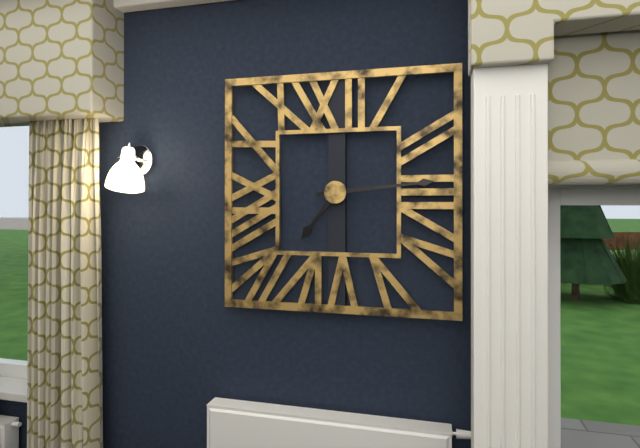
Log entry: **7:14**
